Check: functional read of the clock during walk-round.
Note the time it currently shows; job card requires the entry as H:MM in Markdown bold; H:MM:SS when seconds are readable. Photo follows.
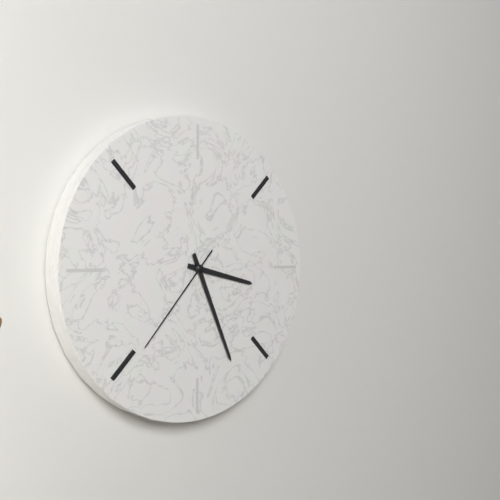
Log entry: **3:26:37**
